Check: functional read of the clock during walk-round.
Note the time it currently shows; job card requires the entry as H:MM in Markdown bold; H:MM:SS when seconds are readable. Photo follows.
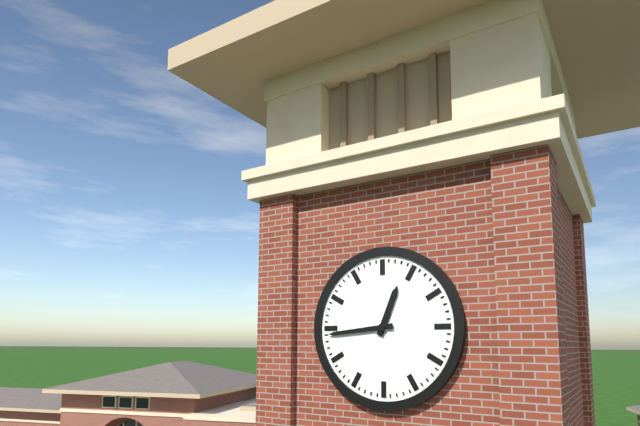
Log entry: **12:44**
